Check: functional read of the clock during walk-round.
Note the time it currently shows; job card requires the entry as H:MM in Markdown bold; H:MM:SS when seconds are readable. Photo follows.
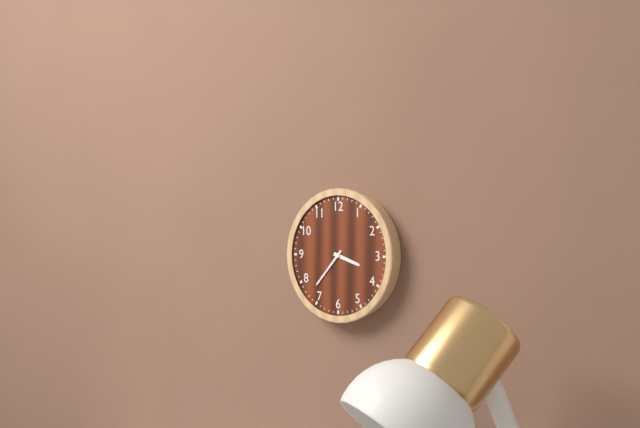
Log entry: **3:37**
